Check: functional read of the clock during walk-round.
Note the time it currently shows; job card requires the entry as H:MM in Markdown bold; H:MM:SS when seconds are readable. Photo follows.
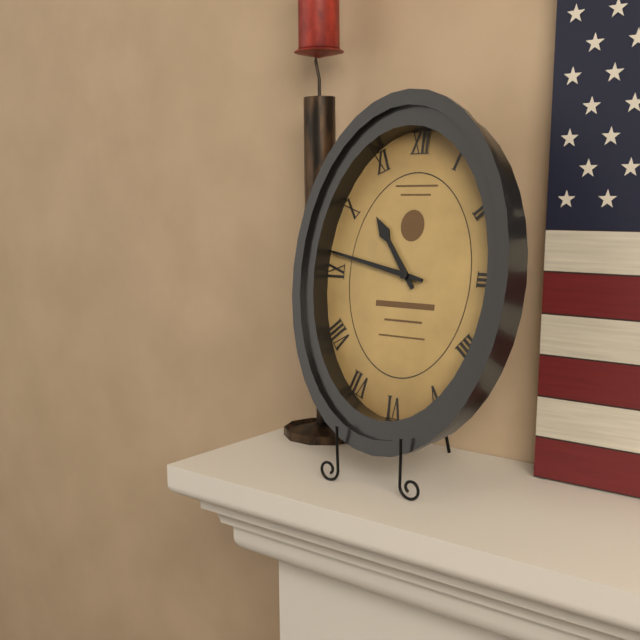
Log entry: **10:47**
